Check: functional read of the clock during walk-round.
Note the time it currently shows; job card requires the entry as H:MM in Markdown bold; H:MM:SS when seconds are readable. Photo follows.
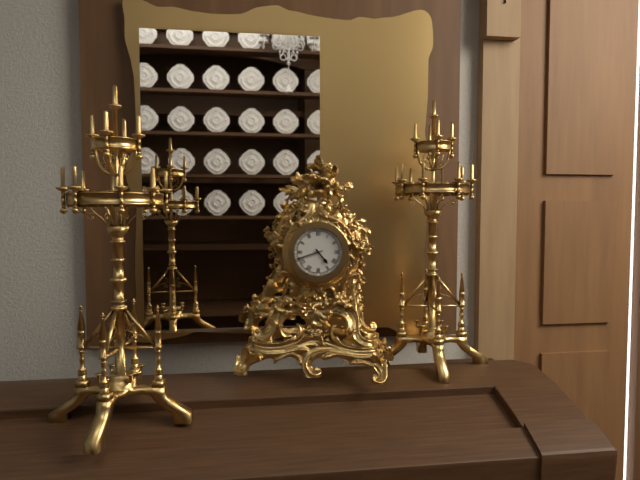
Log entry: **4:42**
